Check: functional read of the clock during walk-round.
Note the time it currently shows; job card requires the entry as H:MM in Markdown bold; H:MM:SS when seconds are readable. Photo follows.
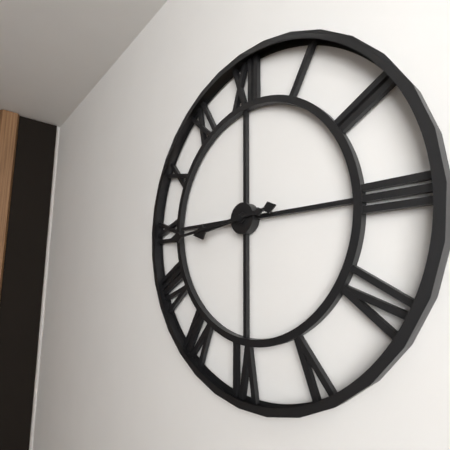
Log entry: **8:44**
